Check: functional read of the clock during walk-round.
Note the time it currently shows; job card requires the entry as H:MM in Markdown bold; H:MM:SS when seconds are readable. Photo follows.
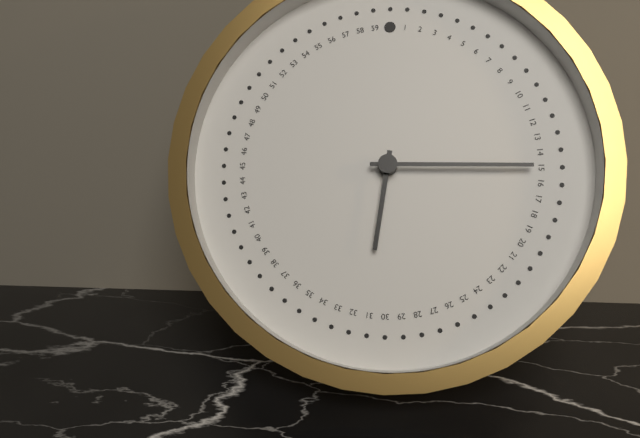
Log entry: **6:15**
